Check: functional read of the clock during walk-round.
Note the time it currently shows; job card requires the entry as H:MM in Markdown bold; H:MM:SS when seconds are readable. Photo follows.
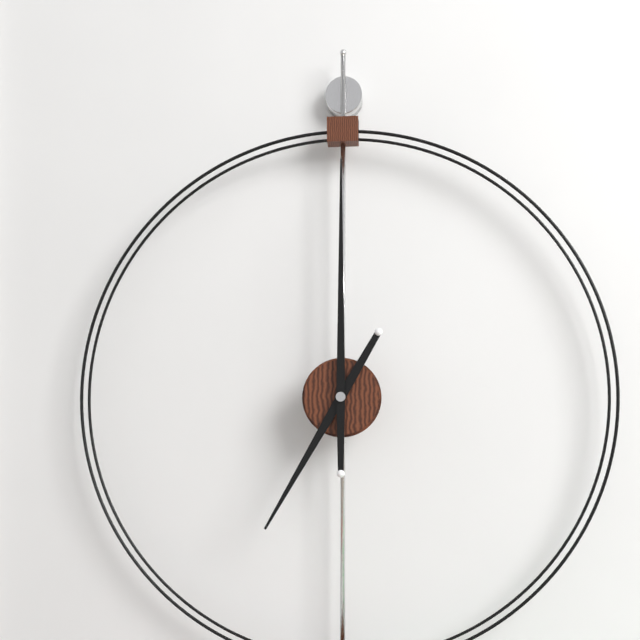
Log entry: **7:00**
